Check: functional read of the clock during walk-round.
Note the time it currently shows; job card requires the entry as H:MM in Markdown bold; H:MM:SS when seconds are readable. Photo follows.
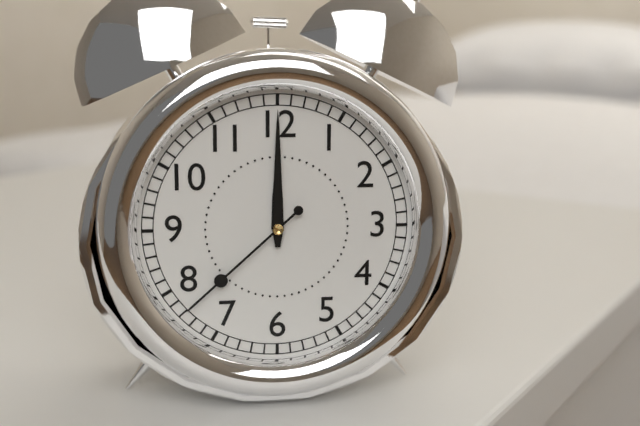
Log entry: **12:00:38**
